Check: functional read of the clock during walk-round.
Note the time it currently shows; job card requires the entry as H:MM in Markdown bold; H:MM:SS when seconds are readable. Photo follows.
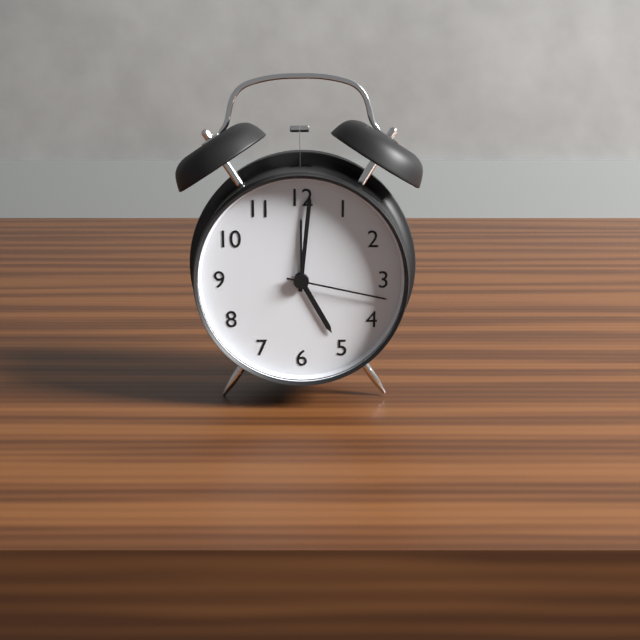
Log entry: **5:01:17**
